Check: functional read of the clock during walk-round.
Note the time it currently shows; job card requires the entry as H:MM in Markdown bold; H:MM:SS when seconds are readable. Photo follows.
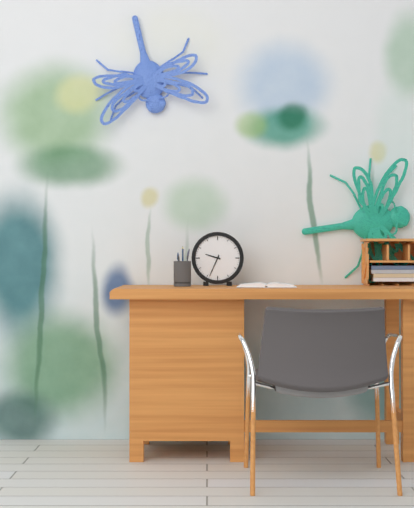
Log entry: **9:34**
